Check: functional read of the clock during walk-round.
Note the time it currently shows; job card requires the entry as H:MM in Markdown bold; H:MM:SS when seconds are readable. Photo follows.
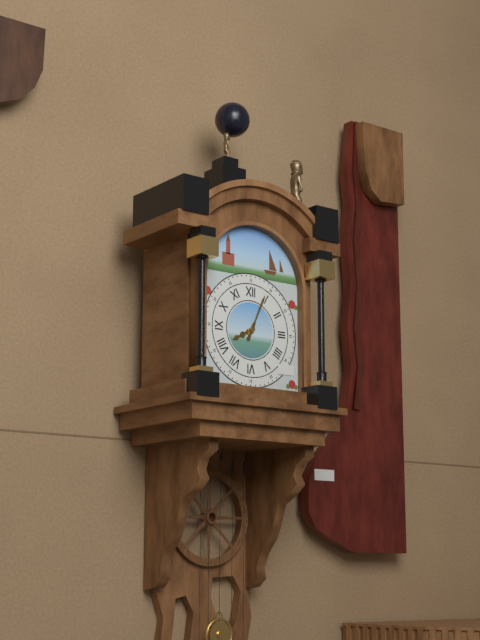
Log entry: **8:04**
